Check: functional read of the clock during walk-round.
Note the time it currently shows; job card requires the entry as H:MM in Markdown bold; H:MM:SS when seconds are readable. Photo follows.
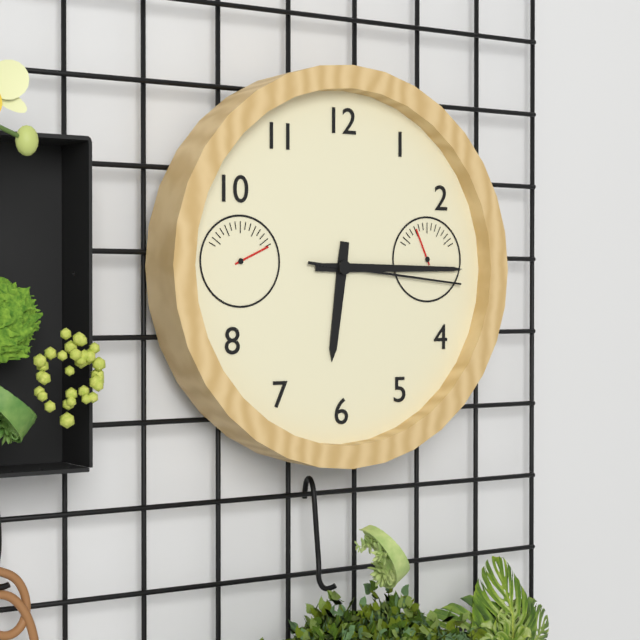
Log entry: **6:15:16**
